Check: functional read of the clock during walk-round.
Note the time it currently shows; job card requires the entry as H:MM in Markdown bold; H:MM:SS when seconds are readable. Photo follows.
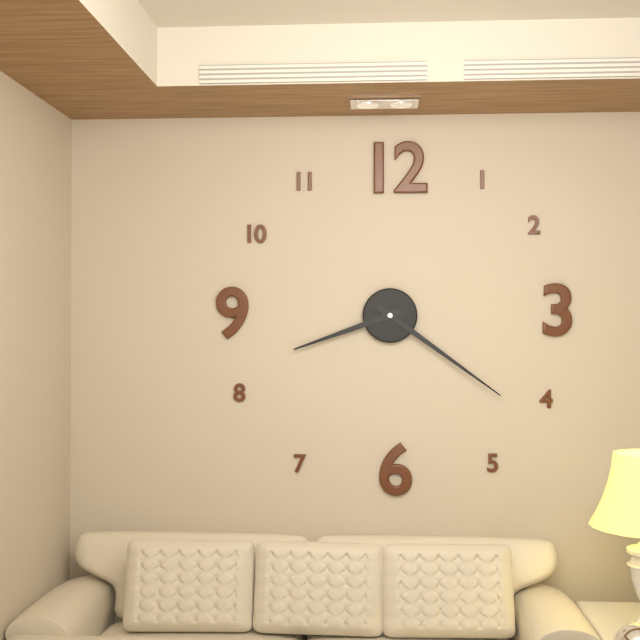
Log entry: **8:21**
